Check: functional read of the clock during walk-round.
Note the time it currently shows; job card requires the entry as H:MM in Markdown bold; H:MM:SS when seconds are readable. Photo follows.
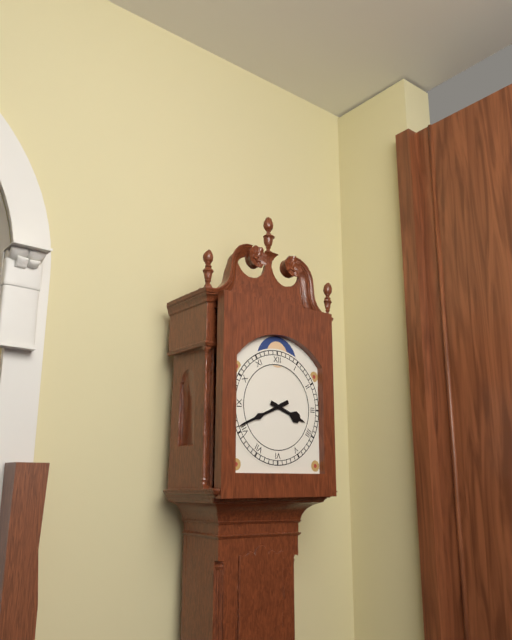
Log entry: **3:41**
